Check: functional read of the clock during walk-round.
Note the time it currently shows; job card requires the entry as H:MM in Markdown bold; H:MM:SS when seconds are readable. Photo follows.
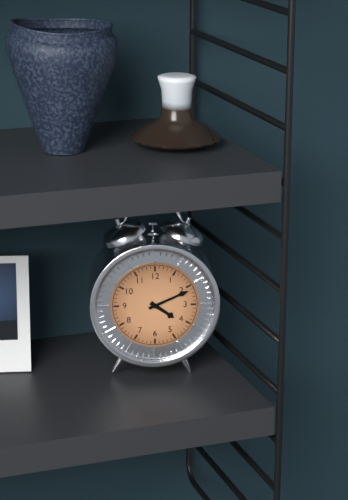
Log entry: **4:11**
